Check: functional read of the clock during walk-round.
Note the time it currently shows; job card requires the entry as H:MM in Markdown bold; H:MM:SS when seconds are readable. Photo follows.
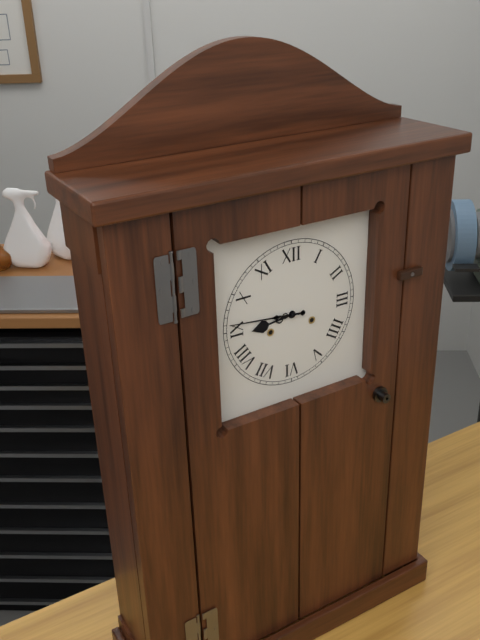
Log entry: **8:46**
